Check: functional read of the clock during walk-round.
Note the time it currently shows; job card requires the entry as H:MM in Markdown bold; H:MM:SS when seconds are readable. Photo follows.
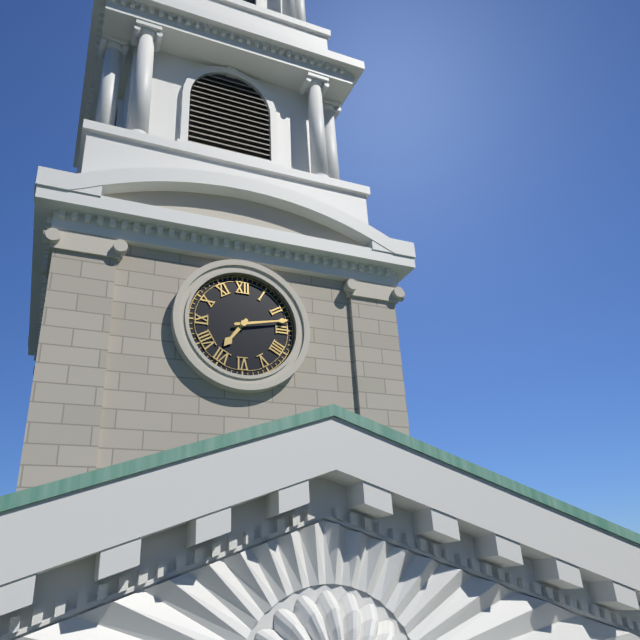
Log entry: **7:13**
